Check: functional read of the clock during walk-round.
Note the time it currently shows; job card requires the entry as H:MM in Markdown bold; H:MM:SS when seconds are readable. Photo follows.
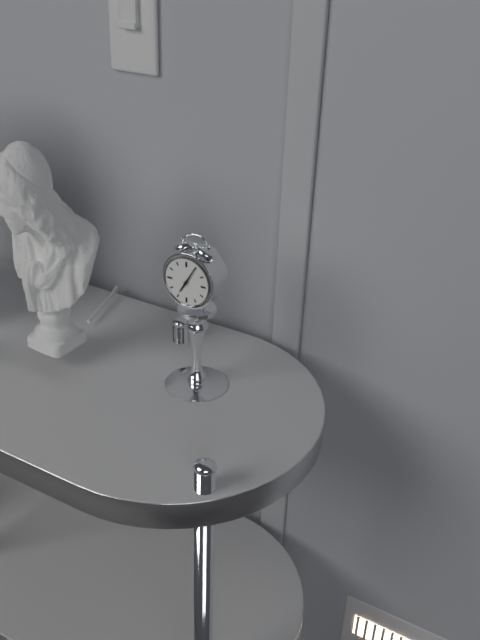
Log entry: **7:05**
